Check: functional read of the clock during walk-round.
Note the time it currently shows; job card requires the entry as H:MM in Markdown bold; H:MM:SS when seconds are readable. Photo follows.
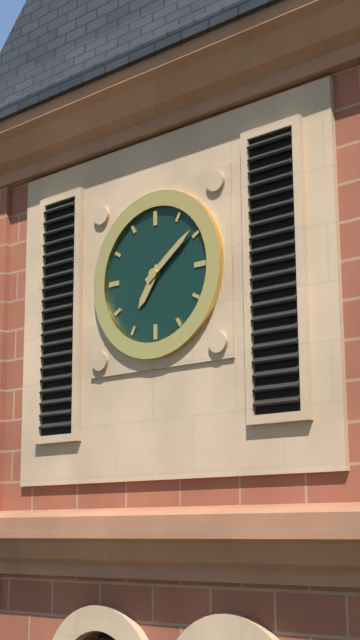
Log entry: **7:09**
